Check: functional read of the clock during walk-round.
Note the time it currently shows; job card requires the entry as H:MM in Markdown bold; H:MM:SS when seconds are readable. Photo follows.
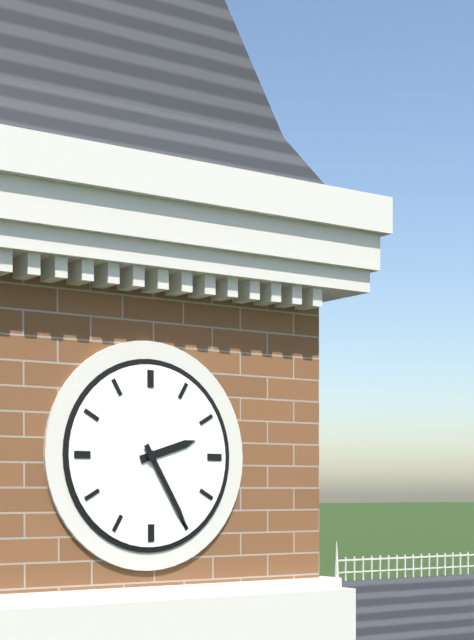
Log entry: **2:25**
